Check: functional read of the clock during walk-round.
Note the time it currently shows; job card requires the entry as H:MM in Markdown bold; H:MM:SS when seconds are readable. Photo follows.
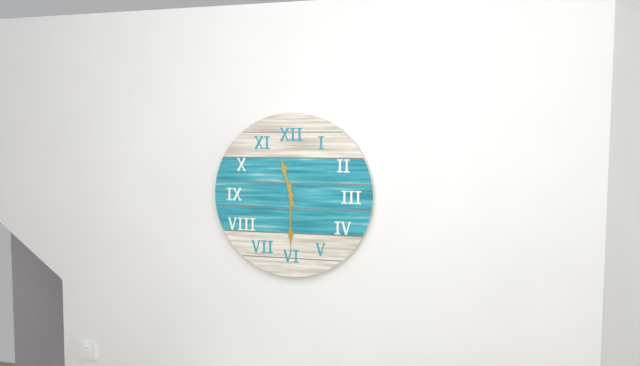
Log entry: **11:30**
